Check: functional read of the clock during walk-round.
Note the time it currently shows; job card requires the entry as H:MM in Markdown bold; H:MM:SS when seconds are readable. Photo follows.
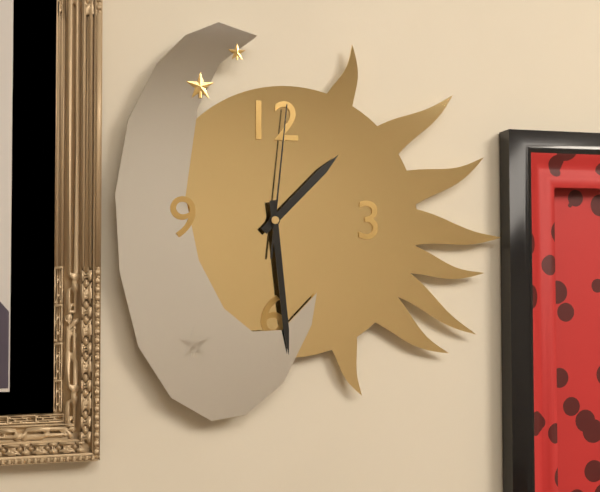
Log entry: **1:29:01**
